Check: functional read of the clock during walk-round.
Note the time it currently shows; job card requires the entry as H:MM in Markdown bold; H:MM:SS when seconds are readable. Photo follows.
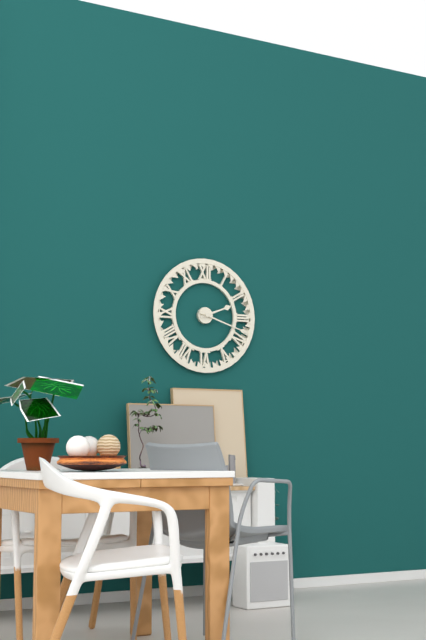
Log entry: **2:18**
